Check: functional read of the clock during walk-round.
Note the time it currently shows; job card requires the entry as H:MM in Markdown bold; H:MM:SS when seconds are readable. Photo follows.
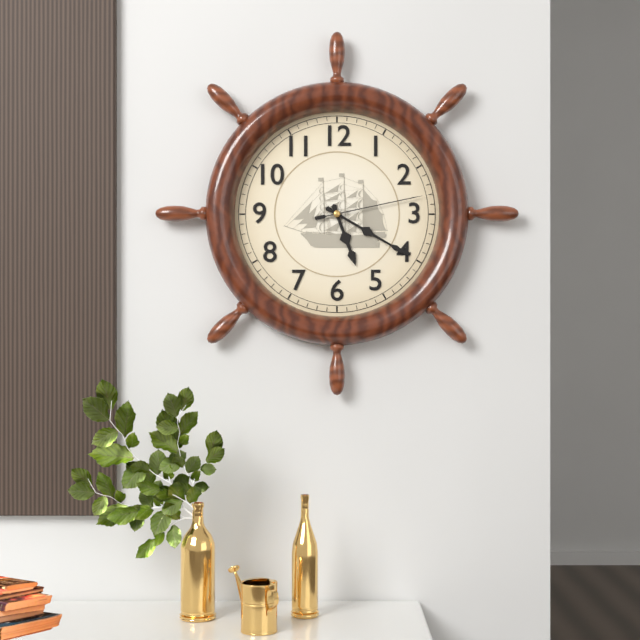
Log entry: **5:20:13**
